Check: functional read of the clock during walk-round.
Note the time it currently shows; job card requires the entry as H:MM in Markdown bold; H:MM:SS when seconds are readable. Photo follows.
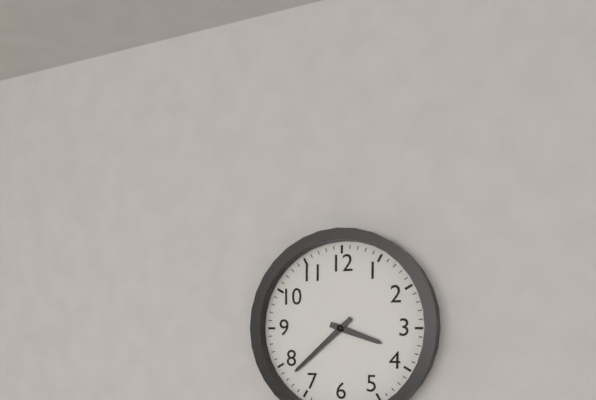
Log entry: **3:38**
